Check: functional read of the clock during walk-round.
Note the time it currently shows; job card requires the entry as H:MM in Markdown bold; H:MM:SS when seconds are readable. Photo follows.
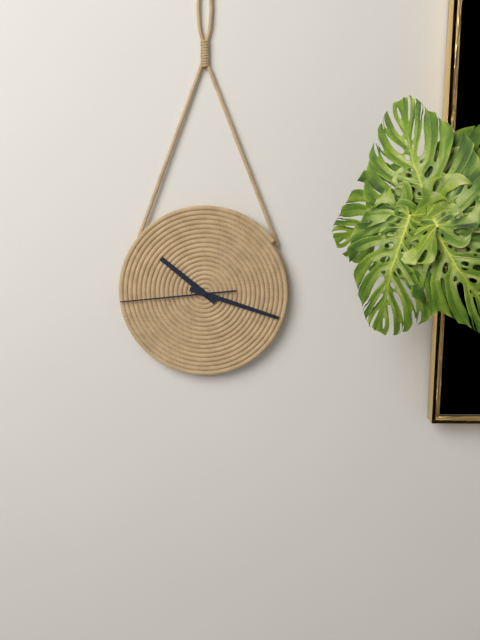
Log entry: **10:18:44**
